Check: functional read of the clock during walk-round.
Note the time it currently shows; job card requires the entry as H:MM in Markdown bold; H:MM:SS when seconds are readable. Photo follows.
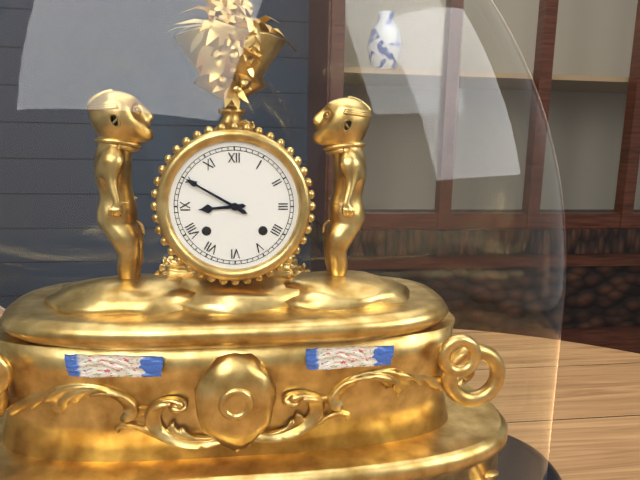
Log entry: **8:50**
